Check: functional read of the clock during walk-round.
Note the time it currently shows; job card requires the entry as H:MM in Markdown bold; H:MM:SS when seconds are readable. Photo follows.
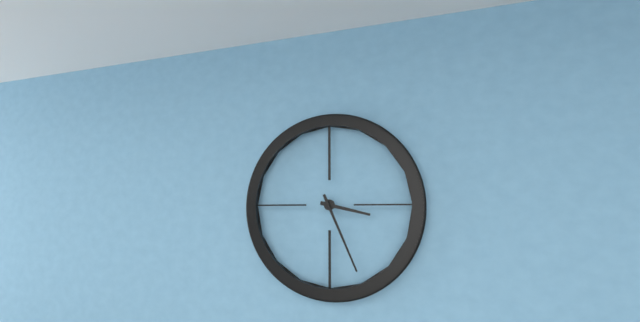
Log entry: **3:26**
